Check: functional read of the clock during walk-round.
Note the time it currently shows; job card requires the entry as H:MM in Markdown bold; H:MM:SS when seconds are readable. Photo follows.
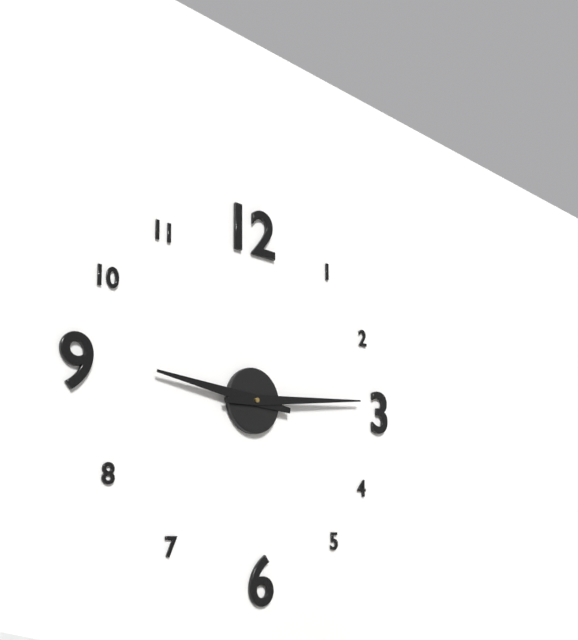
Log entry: **9:14**
